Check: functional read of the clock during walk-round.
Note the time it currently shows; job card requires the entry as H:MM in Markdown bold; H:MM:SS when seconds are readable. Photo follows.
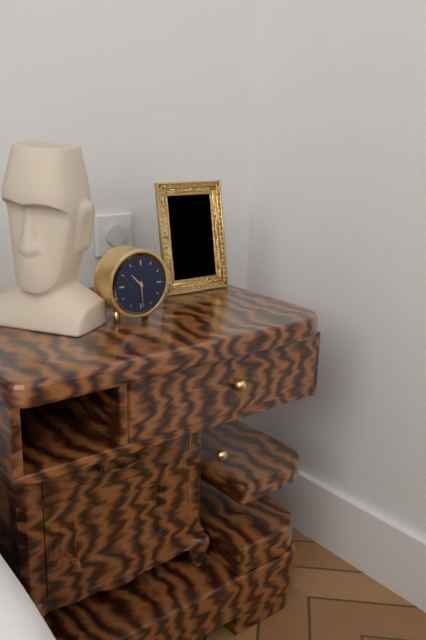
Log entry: **10:29**
